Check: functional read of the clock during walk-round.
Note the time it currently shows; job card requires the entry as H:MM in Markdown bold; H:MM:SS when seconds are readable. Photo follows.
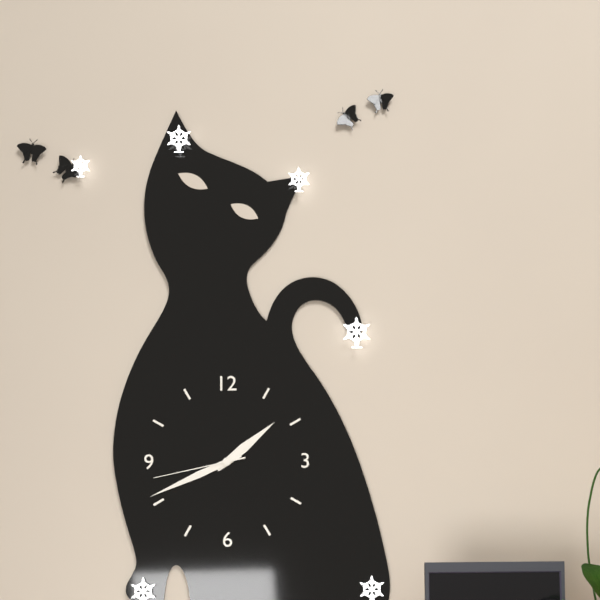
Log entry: **1:41:43**
